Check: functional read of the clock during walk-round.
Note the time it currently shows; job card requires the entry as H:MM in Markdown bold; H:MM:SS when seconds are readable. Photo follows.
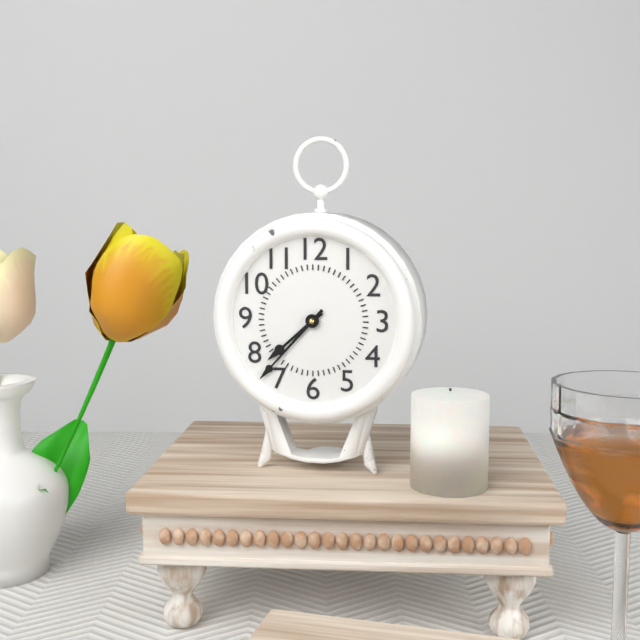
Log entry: **7:37**
